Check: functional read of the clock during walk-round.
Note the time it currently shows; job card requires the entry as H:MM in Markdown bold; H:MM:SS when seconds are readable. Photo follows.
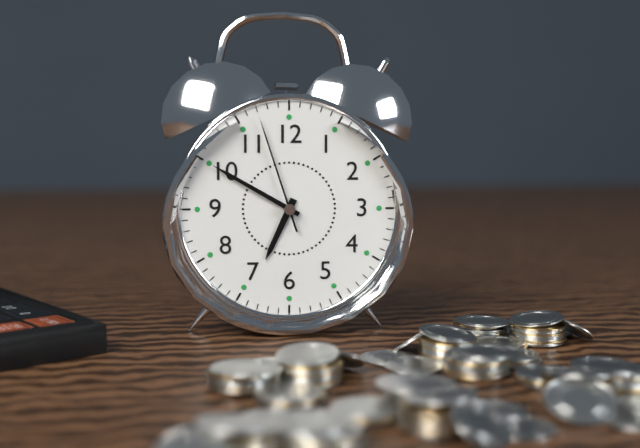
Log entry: **6:50:57**
